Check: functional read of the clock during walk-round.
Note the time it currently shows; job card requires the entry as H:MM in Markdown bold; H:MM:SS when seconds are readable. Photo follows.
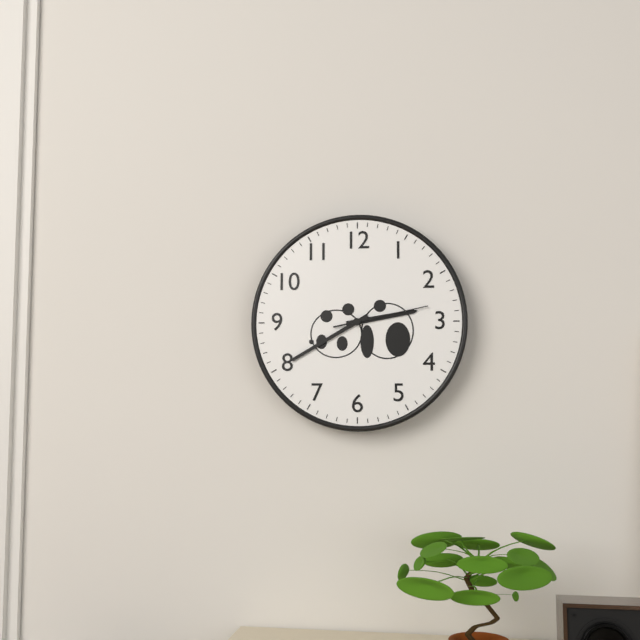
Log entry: **2:40:13**
